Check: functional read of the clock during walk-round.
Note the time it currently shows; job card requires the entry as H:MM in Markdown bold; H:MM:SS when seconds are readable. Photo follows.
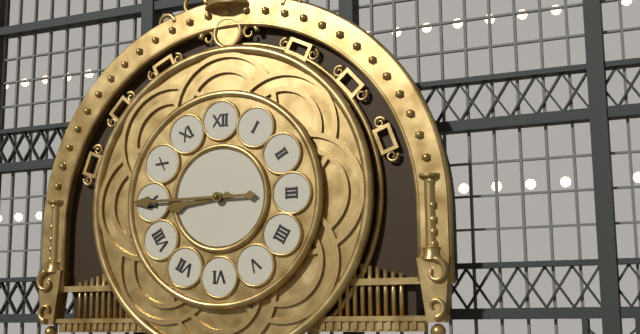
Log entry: **8:45**
